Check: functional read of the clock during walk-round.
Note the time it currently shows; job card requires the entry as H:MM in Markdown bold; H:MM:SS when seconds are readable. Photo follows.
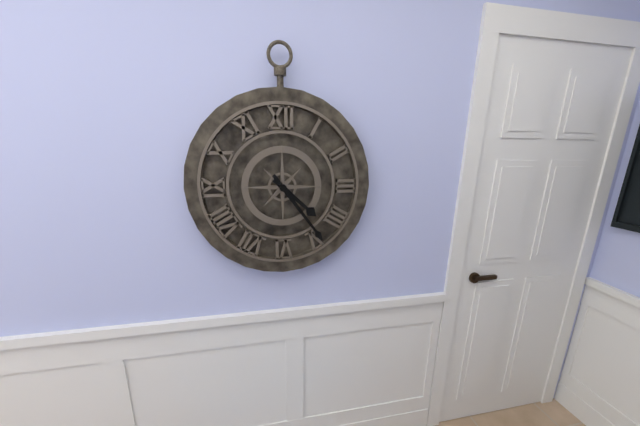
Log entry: **4:24**
